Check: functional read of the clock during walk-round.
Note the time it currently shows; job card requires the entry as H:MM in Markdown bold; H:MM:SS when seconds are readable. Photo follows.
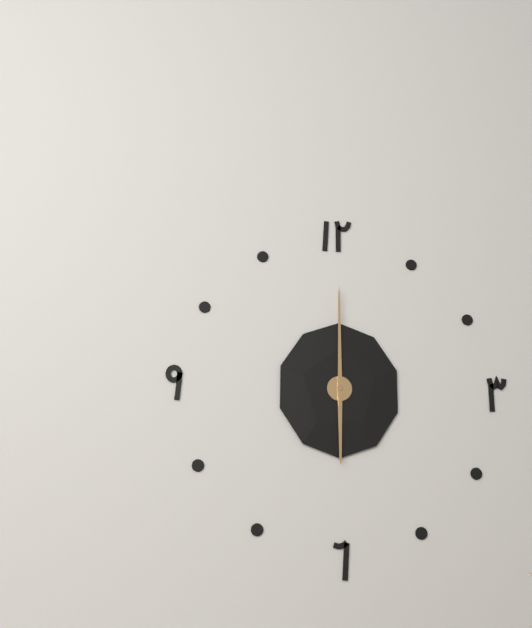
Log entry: **6:00**
